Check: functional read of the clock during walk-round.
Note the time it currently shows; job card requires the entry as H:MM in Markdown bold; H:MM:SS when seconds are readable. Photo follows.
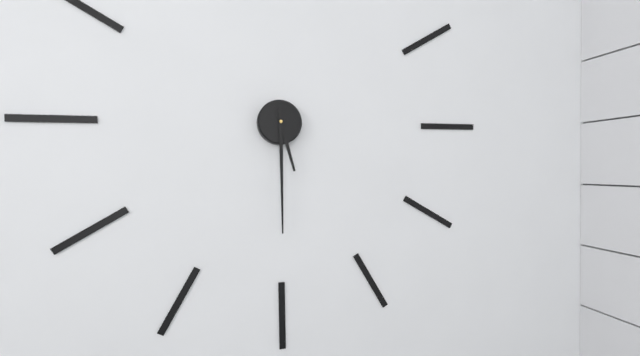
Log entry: **5:30**
